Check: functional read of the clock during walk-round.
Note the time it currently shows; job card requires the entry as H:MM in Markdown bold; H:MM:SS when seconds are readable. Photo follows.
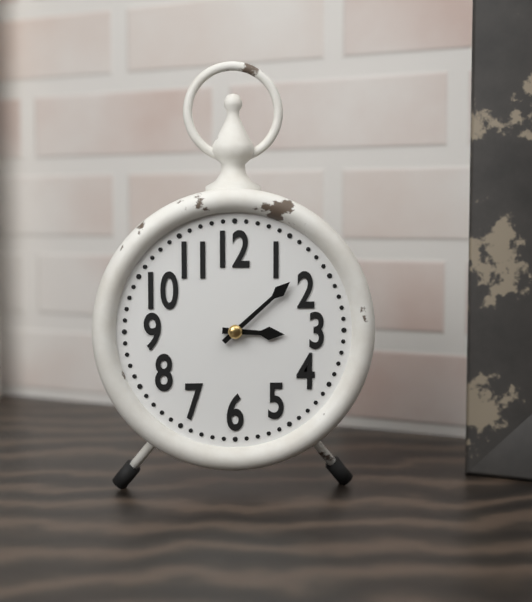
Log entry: **3:08**
